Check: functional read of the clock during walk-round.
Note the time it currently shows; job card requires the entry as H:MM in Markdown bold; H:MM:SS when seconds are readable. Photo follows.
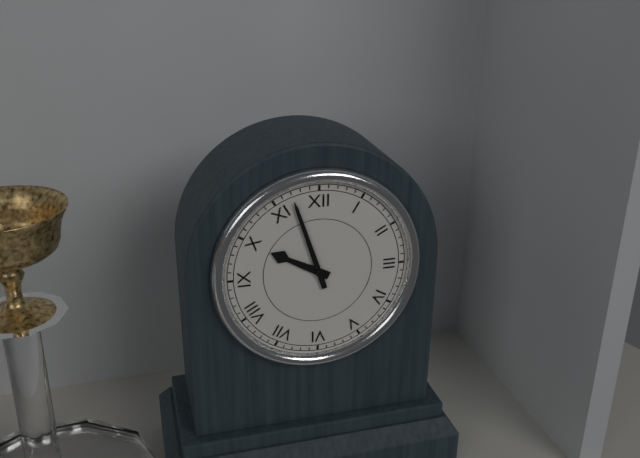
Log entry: **9:57**
